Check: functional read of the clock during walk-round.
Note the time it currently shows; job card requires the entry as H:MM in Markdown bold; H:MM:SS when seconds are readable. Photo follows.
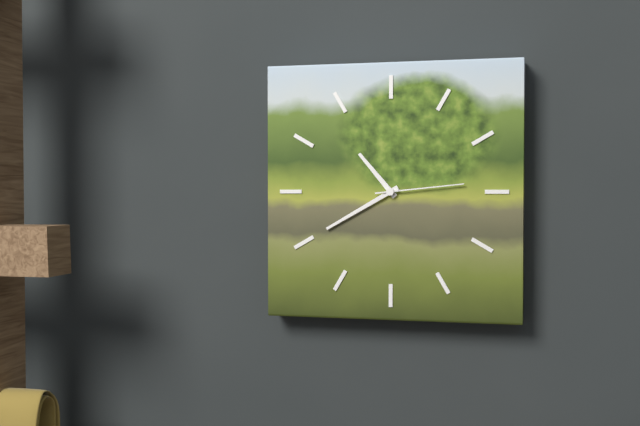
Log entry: **10:40:14**
